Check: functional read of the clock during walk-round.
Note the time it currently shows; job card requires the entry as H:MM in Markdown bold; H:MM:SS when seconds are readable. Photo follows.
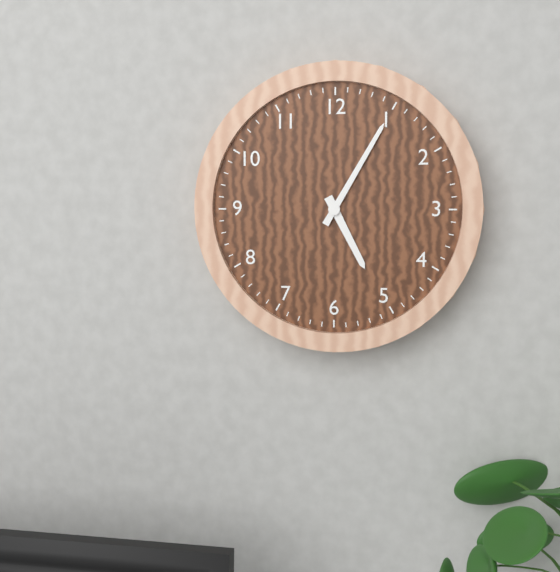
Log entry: **5:05**
